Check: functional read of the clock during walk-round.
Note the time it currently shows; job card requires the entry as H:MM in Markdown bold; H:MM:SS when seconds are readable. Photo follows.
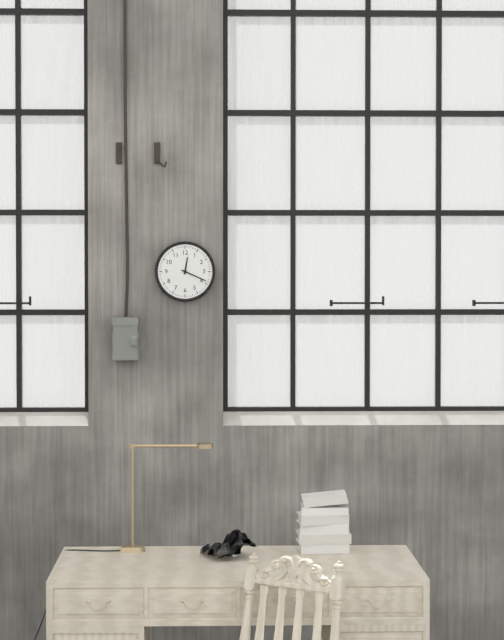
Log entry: **12:19**
